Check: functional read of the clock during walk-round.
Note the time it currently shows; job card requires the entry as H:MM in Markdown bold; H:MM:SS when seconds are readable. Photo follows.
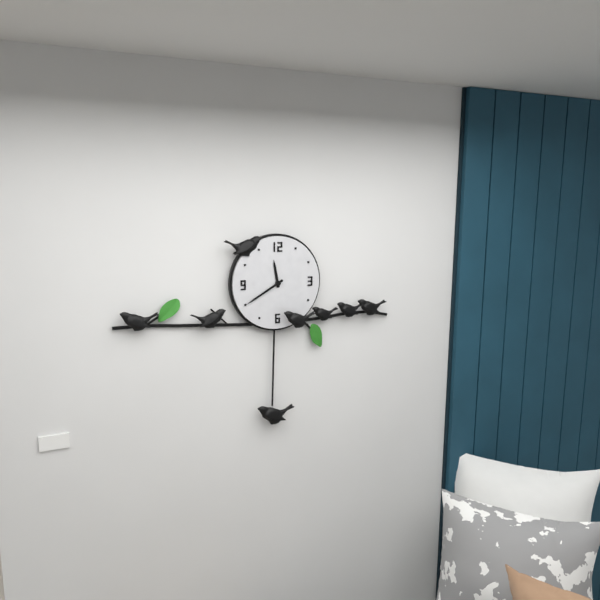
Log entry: **11:40**
